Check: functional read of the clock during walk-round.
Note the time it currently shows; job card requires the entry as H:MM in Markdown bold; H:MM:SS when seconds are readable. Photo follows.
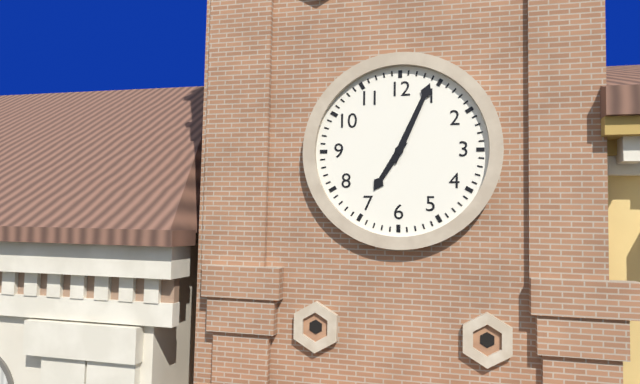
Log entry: **7:04**
